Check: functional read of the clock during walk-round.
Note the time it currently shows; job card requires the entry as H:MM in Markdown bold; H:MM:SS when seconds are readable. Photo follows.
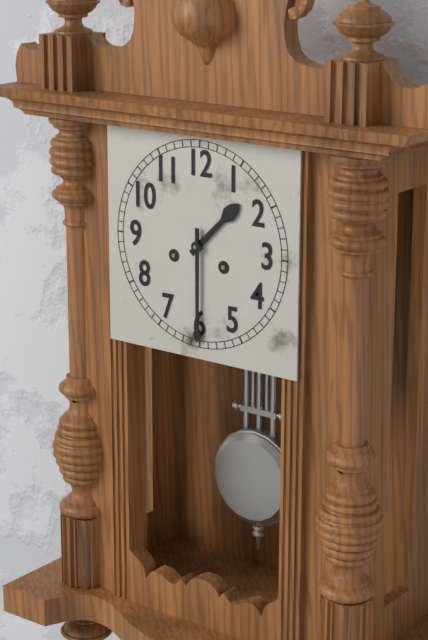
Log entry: **1:30**
